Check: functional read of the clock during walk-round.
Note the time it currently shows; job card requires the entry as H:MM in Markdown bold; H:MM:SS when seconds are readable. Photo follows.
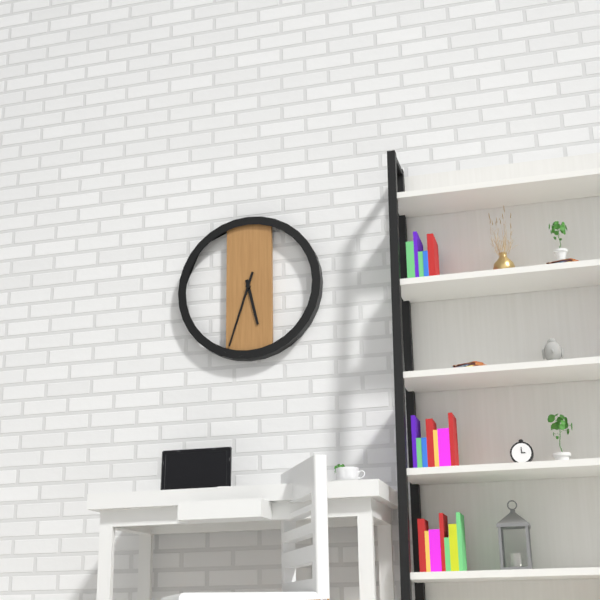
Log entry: **5:33**
